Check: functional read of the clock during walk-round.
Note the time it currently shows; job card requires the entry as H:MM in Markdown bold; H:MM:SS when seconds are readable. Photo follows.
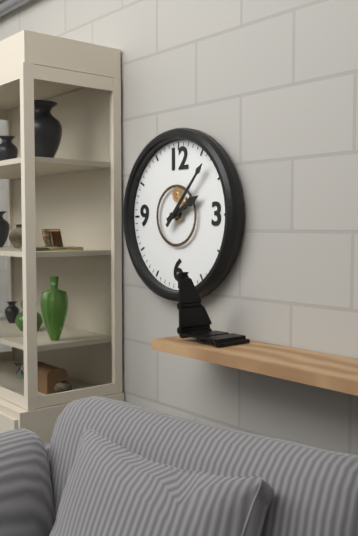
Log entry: **2:07**
